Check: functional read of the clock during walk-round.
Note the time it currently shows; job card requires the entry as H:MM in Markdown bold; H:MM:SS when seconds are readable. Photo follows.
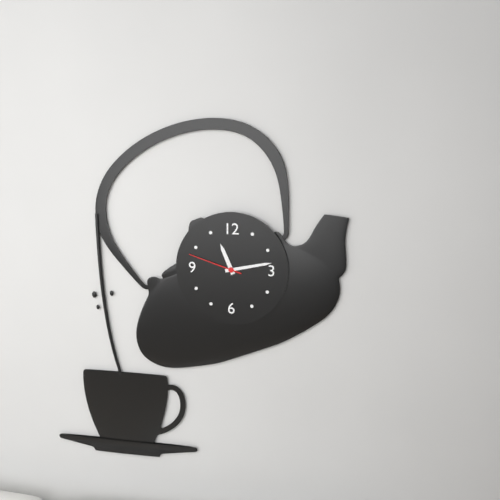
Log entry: **11:13:48**
